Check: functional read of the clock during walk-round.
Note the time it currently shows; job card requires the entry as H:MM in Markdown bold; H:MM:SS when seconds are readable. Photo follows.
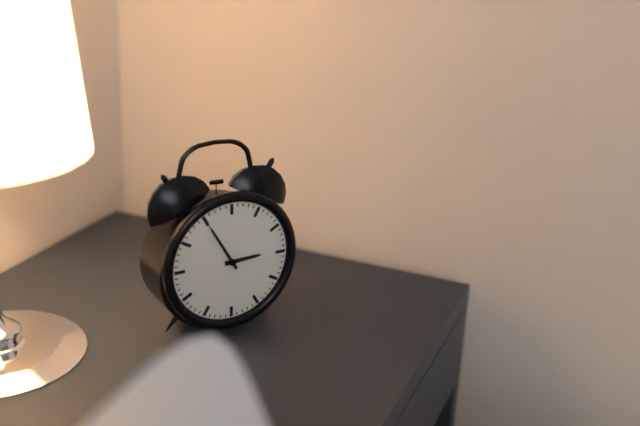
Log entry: **2:55**
